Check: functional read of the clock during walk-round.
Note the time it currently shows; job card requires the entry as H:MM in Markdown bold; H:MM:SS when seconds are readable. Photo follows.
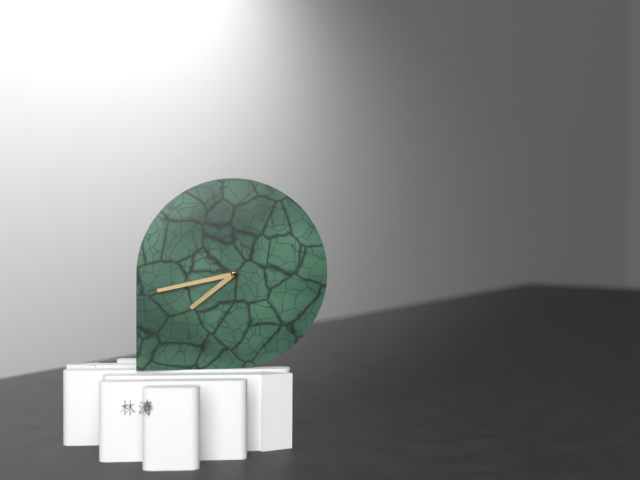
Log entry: **7:43**
